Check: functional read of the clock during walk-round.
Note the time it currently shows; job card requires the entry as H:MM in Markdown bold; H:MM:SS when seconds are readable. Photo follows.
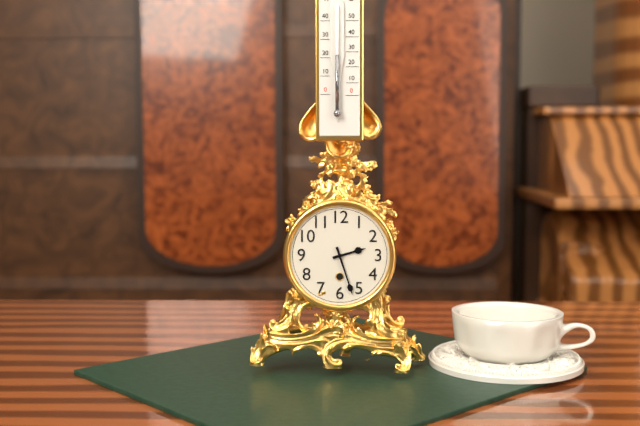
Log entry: **2:27**
